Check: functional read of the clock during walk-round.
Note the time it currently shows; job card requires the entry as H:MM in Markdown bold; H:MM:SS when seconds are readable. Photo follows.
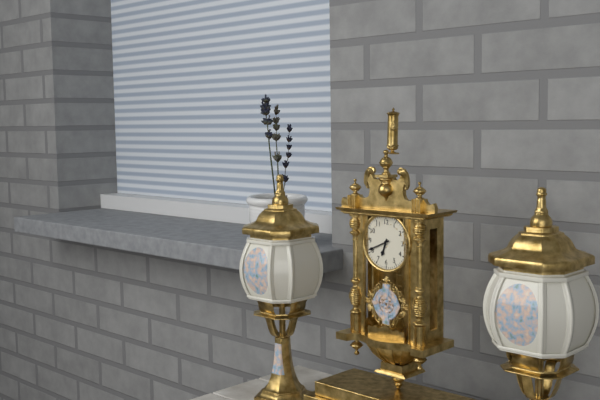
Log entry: **6:41**
